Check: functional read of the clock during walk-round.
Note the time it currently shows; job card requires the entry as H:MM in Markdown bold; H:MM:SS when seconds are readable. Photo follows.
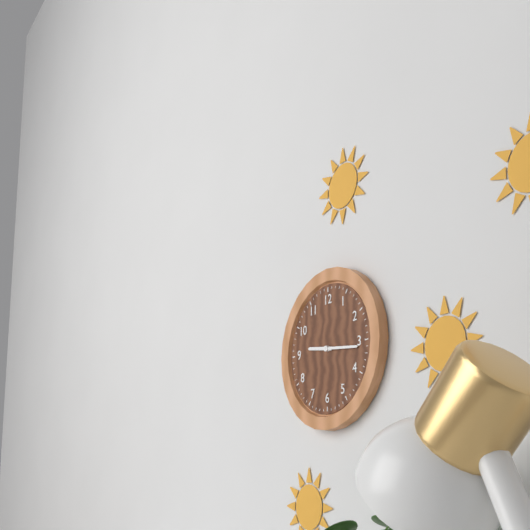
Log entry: **9:16**
